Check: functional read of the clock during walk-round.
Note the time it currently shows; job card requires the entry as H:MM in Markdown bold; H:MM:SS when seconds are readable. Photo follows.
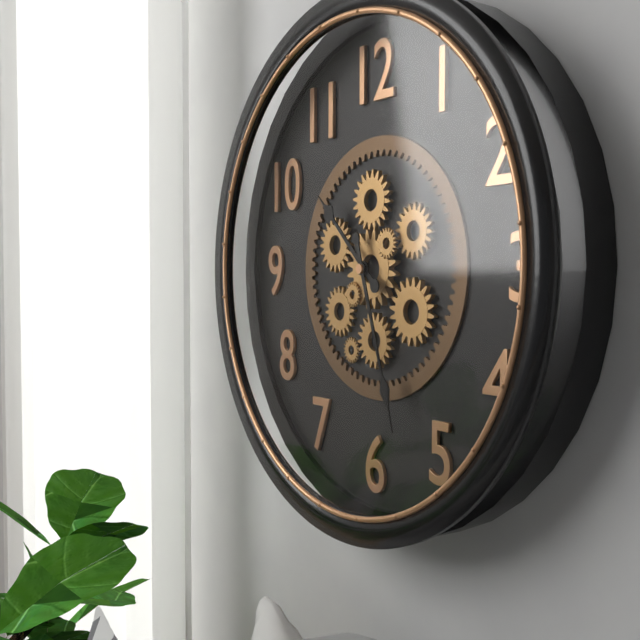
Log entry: **10:27**
